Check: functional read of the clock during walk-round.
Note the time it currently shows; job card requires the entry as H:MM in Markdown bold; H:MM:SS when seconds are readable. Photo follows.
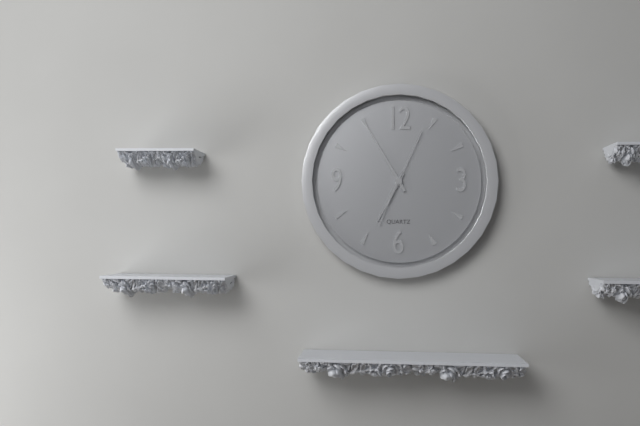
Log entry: **6:55:04**
